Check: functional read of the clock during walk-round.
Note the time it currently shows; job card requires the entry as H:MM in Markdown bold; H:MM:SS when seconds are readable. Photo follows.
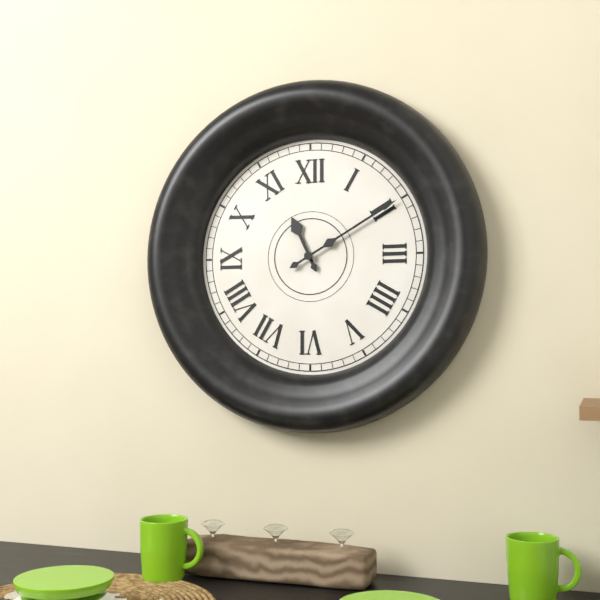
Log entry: **11:10**
